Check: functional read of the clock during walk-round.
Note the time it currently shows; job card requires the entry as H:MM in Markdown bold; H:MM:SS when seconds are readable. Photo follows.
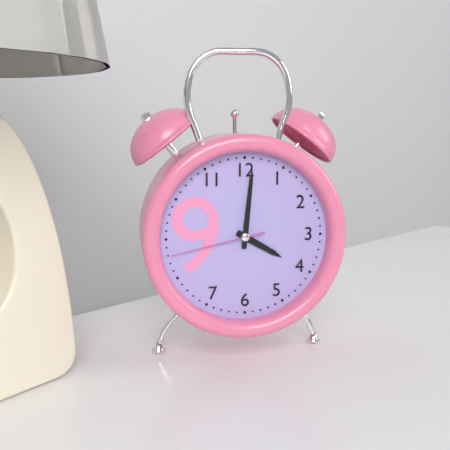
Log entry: **4:01:43**
